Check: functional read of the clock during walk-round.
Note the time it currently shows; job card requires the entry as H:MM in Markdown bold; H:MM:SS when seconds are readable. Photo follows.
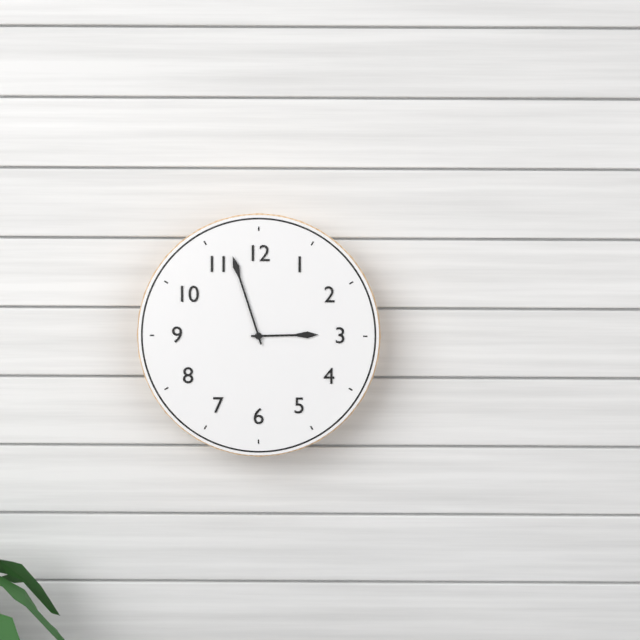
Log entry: **2:57**
